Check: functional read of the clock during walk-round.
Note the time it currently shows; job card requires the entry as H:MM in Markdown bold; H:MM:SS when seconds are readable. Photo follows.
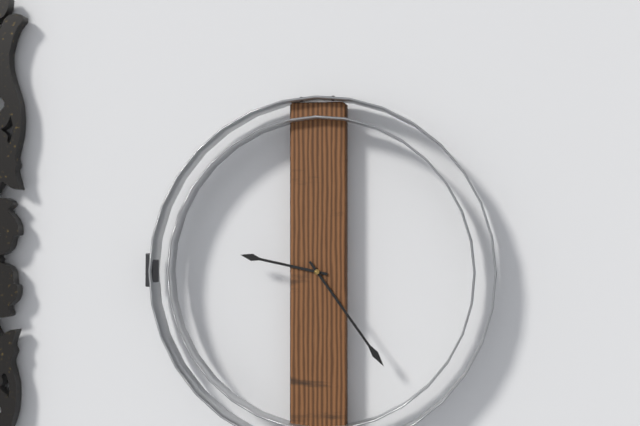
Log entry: **9:24**
